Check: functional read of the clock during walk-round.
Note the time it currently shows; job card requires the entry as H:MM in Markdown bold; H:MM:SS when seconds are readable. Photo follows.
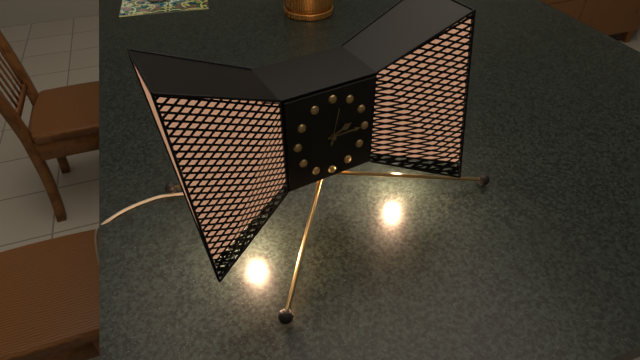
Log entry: **2:15**
